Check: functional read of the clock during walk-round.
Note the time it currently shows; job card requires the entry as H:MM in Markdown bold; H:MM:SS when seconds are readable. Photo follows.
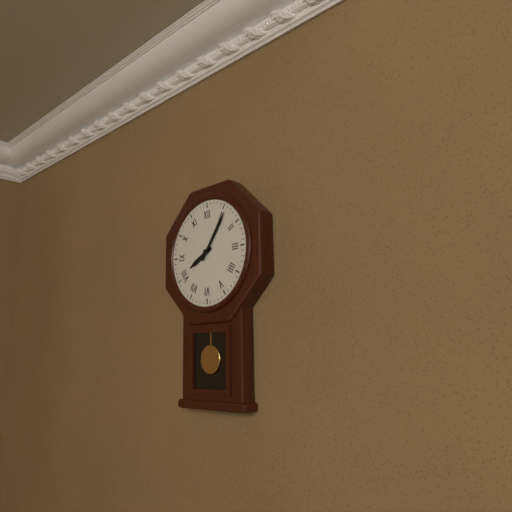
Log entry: **8:06**
